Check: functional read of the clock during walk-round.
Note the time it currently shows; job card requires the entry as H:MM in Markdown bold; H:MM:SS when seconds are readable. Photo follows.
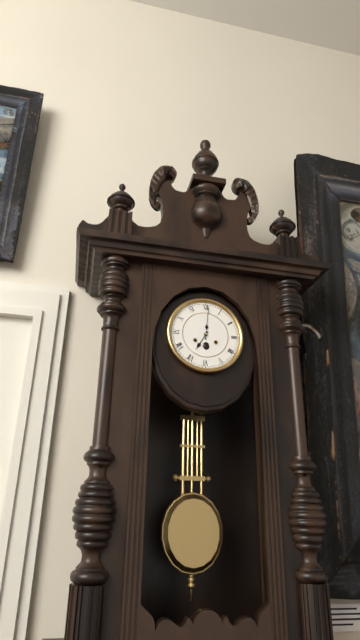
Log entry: **7:01**
